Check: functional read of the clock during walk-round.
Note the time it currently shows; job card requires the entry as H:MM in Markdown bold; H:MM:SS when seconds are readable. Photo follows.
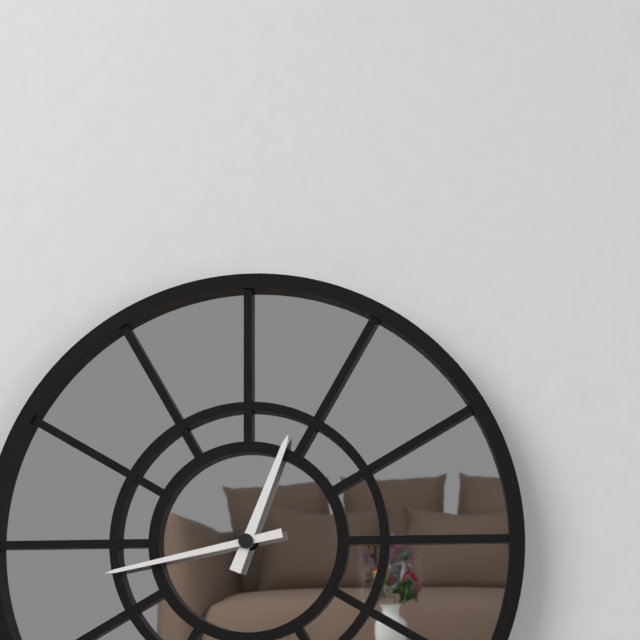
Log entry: **12:43**
